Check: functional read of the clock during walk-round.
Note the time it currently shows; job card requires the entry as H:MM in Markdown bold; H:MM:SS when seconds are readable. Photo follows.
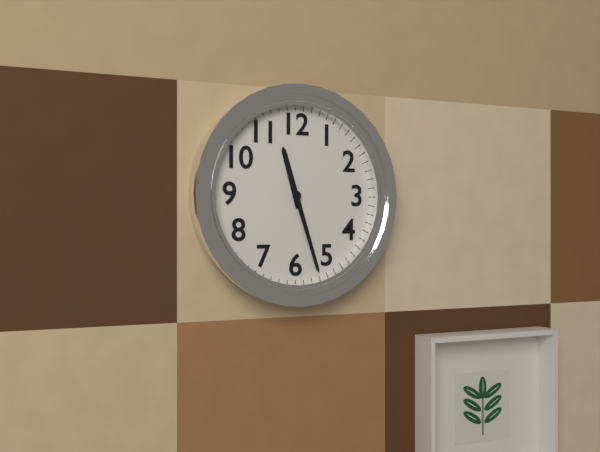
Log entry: **11:27**
